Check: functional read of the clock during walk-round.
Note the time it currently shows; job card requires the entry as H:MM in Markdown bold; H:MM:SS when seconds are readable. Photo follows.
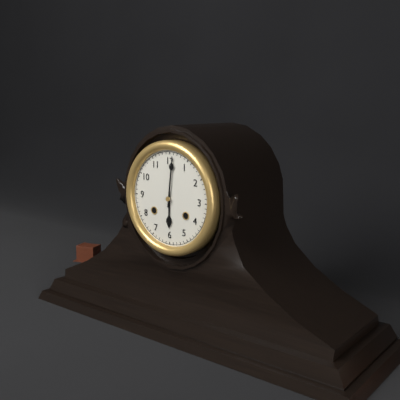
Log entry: **6:01**
